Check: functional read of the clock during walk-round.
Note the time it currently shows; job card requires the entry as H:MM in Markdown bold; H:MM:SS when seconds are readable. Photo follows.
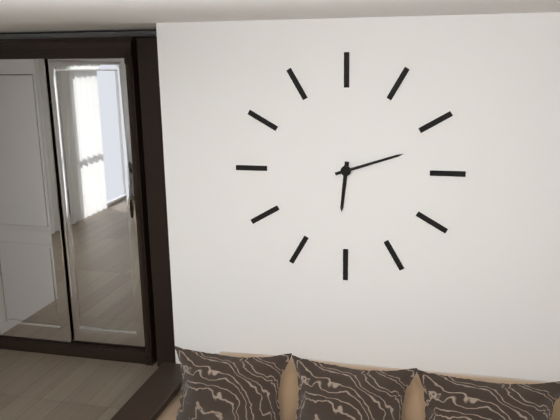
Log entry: **6:12**
